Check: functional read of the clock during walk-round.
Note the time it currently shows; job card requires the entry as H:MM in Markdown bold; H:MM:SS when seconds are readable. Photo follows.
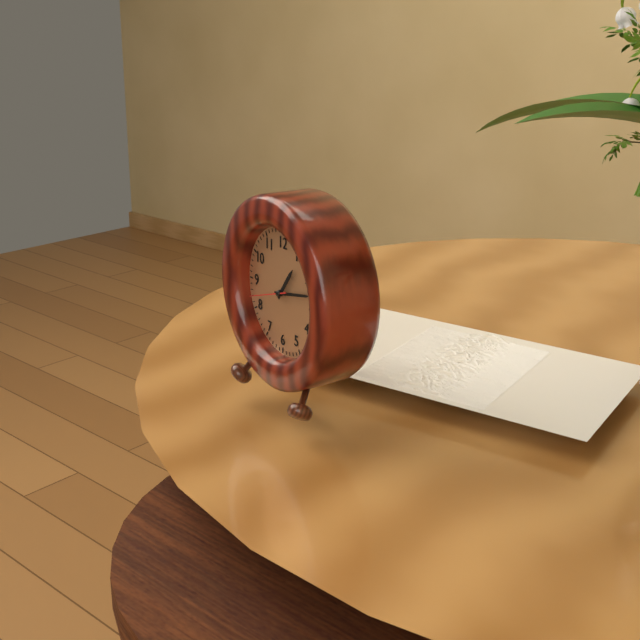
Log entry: **1:13**
